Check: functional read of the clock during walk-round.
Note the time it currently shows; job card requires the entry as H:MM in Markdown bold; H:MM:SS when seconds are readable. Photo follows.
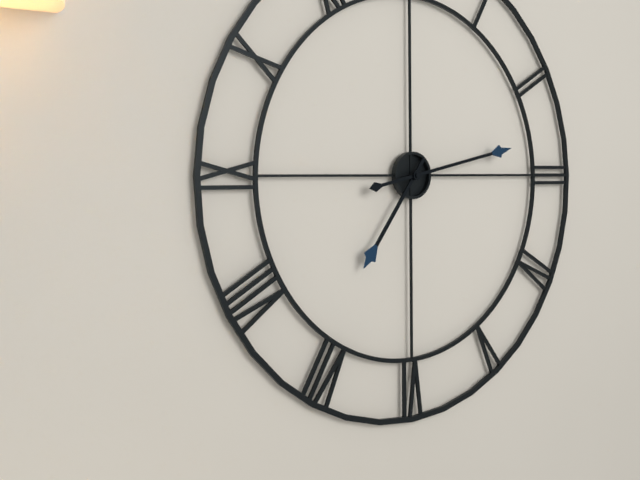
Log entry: **7:13**
